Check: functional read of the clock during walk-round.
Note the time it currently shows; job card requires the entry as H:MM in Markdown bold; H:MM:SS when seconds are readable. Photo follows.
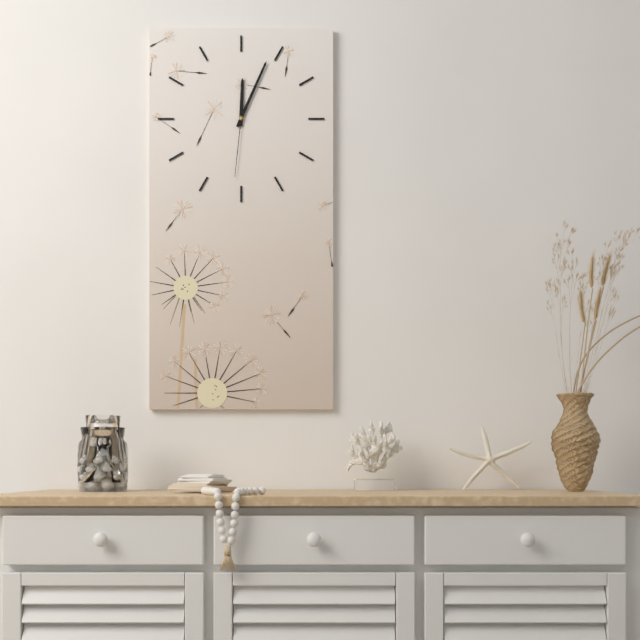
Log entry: **12:04:31**
